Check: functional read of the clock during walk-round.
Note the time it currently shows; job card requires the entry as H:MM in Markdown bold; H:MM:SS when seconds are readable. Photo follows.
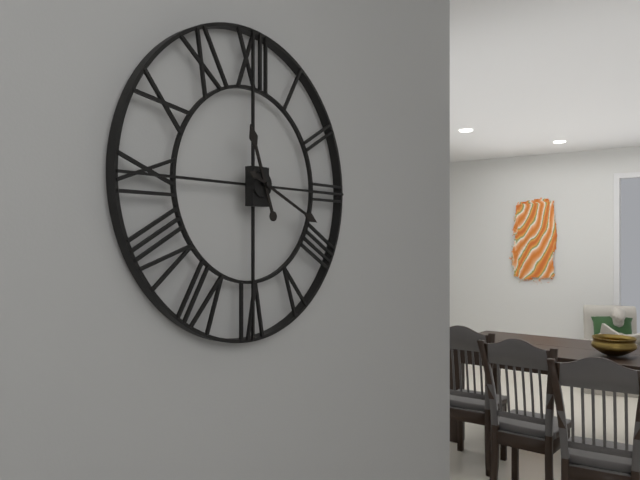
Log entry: **11:19**
